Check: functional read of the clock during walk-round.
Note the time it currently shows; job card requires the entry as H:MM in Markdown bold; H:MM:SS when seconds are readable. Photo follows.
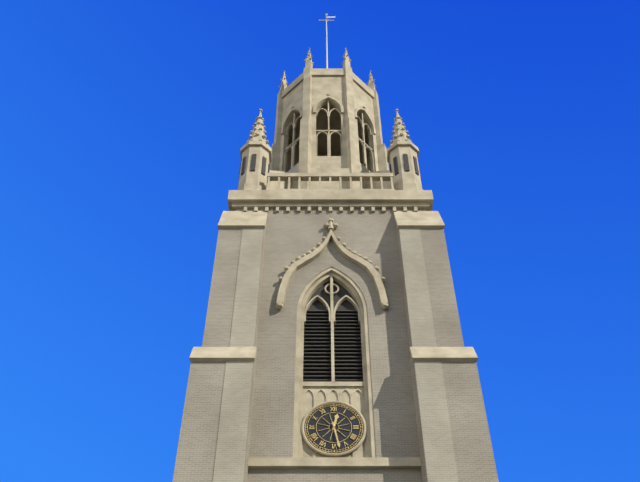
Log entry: **12:28**
